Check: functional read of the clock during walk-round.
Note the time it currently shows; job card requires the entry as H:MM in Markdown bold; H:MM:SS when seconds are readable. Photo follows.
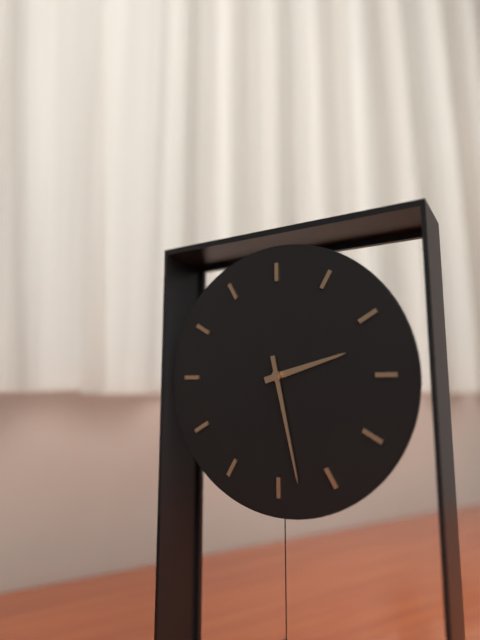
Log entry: **2:28**
